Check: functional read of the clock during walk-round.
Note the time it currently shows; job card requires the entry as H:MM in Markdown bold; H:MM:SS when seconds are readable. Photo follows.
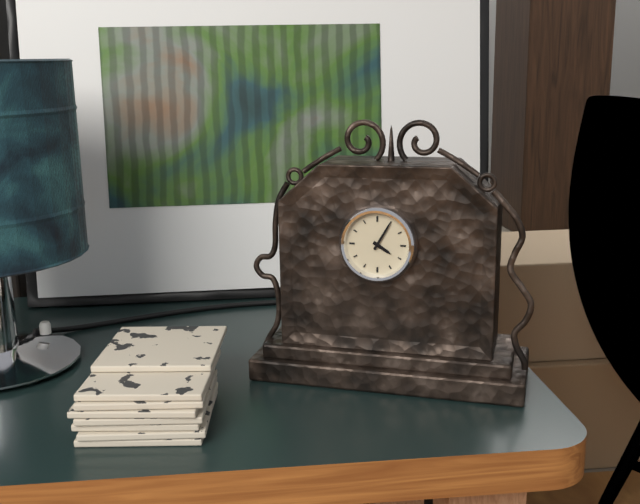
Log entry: **4:05**
